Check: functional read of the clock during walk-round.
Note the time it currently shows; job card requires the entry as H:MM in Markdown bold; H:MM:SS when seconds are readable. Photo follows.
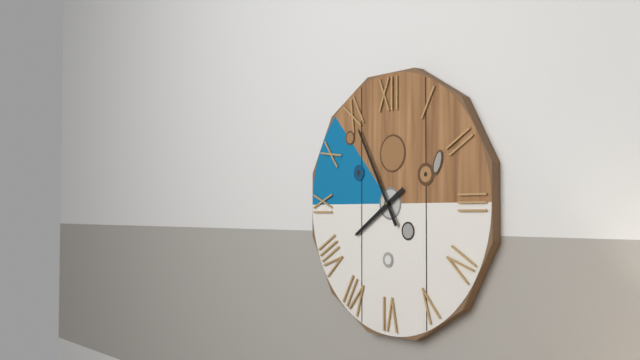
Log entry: **7:55**
